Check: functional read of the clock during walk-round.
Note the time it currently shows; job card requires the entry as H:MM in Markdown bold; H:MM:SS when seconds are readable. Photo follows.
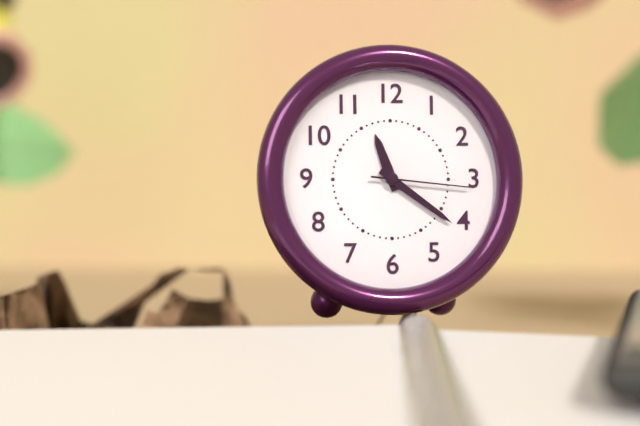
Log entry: **11:21:16**
